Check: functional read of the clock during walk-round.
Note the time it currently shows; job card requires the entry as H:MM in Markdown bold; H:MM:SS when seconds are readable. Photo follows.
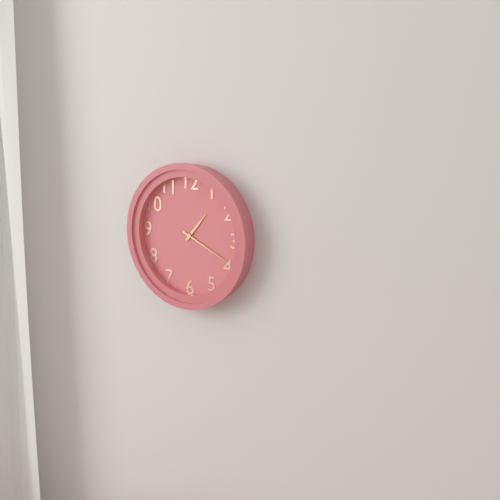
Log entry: **1:19**
